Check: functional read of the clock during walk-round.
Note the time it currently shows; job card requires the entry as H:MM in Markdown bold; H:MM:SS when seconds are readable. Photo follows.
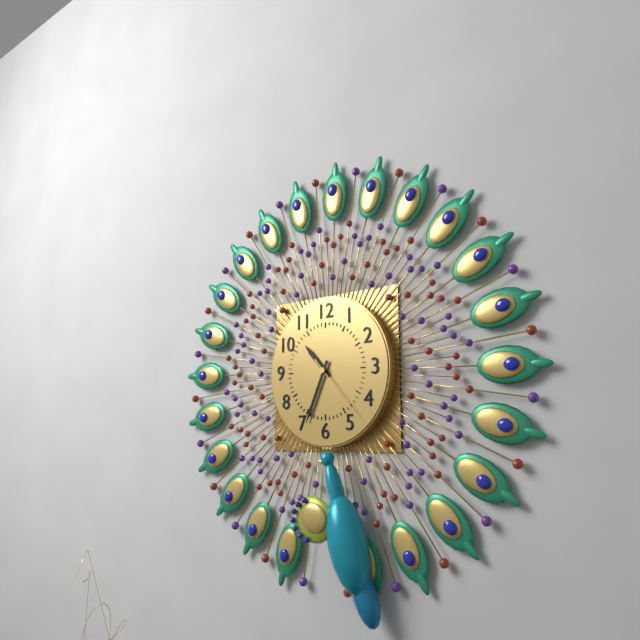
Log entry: **10:34:23**
